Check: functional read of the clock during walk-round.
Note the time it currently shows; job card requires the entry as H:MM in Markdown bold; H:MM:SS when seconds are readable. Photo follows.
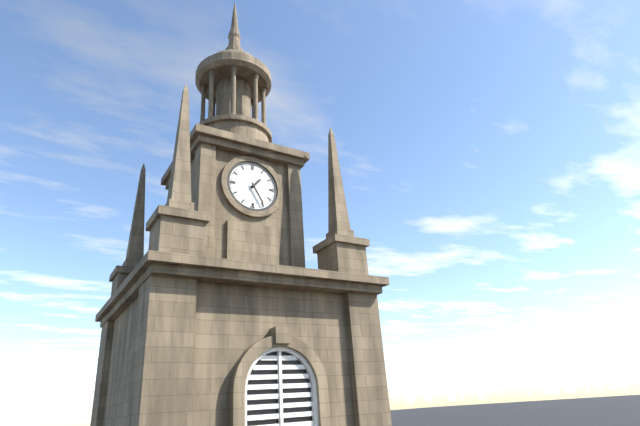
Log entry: **1:25**
